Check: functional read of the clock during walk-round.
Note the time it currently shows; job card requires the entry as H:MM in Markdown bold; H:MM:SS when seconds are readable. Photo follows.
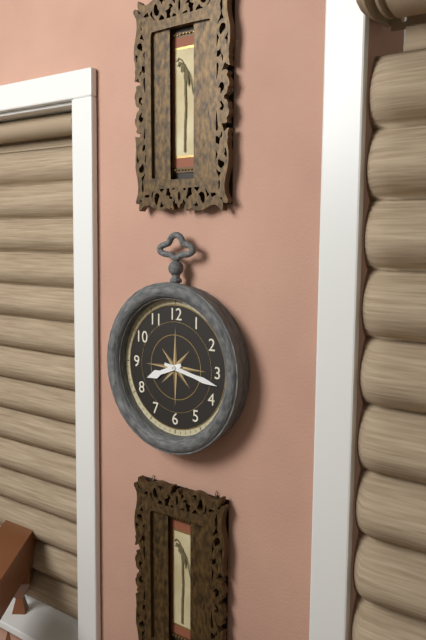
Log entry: **8:17**
